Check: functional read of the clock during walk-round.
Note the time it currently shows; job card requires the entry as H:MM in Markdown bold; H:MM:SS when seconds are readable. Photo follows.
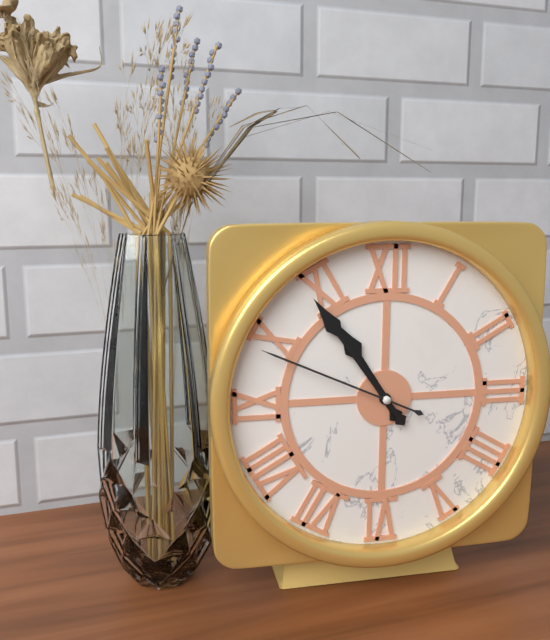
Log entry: **10:54:49**
